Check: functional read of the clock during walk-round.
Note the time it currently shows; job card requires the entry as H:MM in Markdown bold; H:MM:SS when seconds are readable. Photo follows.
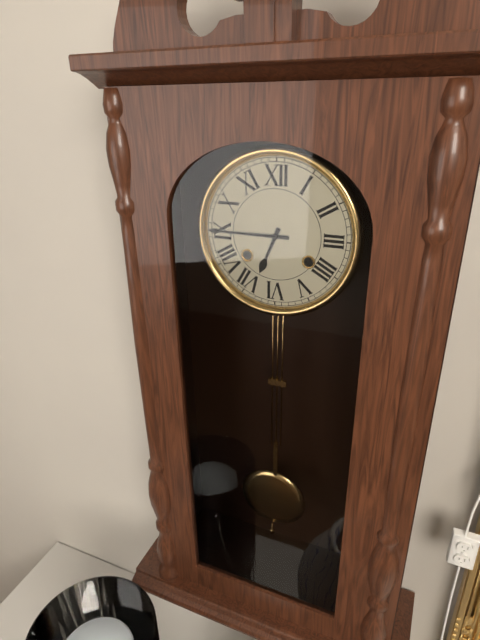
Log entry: **6:45**
